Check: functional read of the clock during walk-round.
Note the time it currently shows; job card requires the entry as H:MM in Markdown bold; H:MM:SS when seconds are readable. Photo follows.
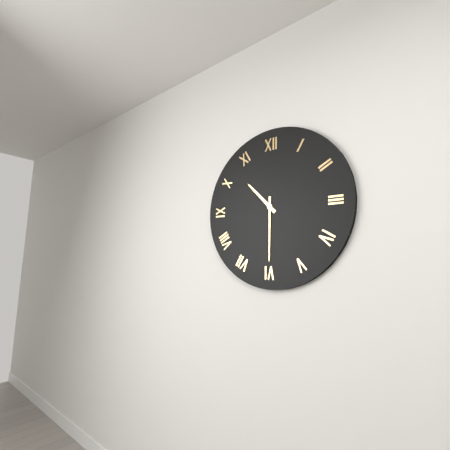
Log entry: **10:30**
